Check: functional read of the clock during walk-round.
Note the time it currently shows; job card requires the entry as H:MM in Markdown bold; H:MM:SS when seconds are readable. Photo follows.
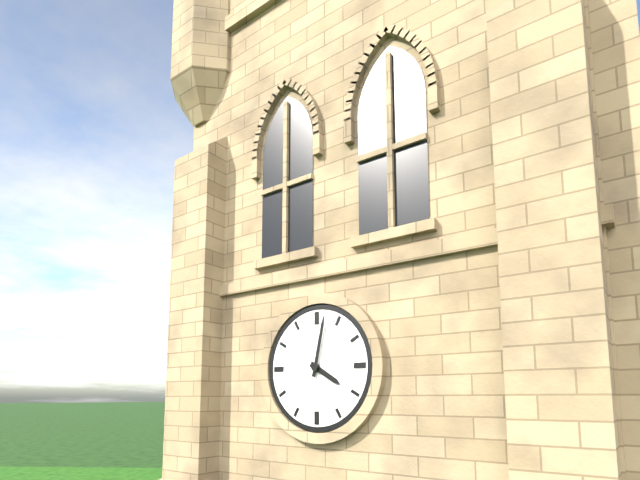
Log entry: **4:02**
